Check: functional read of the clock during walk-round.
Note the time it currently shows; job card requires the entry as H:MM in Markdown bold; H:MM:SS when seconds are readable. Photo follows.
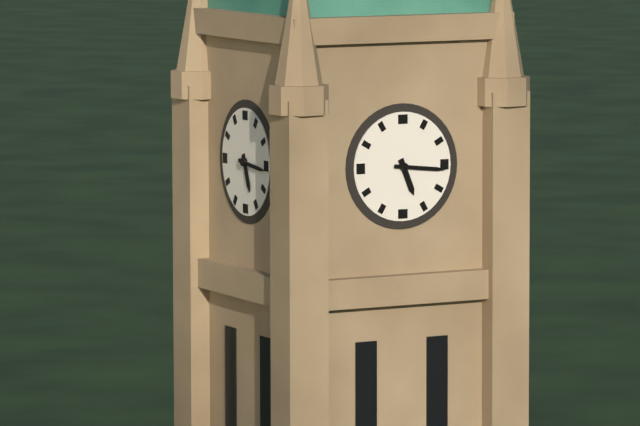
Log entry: **5:16**
